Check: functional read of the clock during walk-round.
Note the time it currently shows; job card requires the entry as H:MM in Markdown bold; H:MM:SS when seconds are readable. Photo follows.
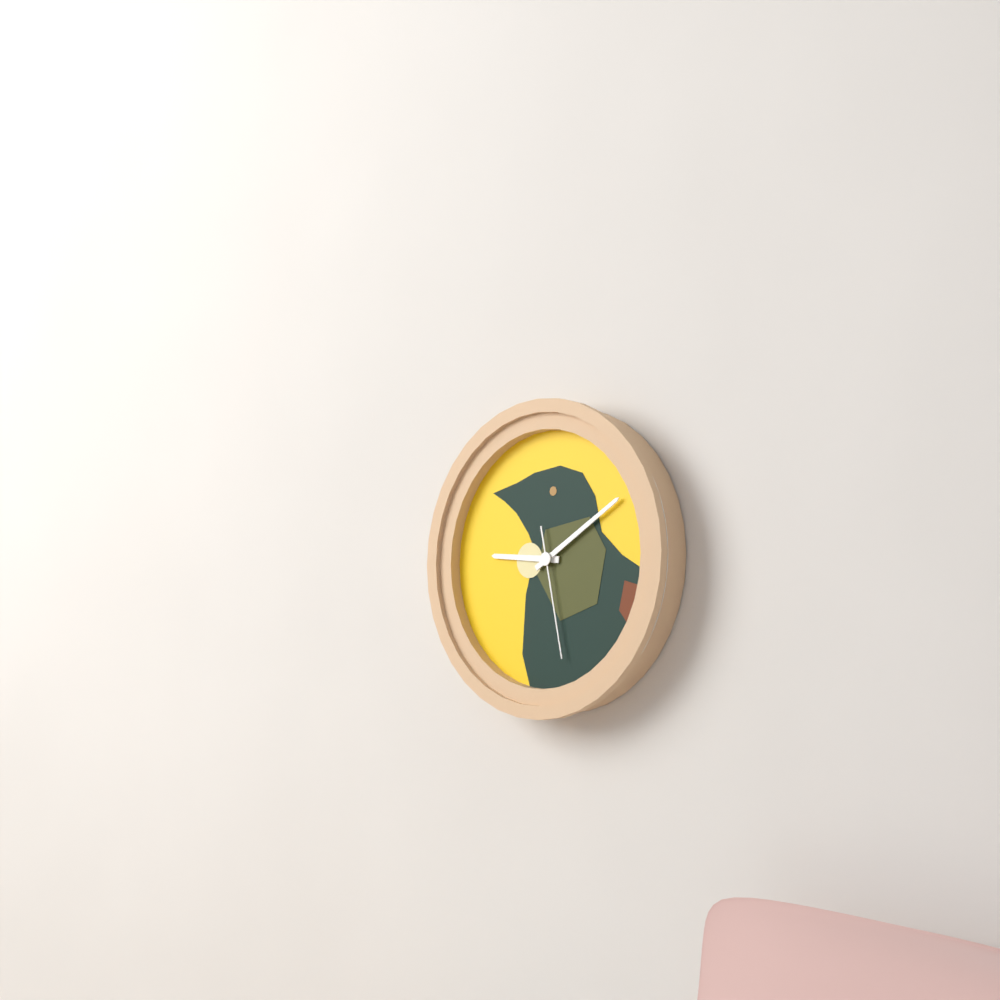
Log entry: **9:10:28**
